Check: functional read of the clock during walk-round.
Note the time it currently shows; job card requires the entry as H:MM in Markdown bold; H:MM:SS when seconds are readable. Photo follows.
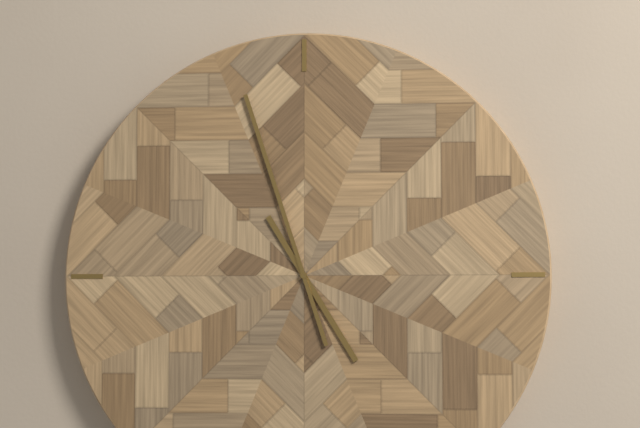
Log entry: **4:57**
